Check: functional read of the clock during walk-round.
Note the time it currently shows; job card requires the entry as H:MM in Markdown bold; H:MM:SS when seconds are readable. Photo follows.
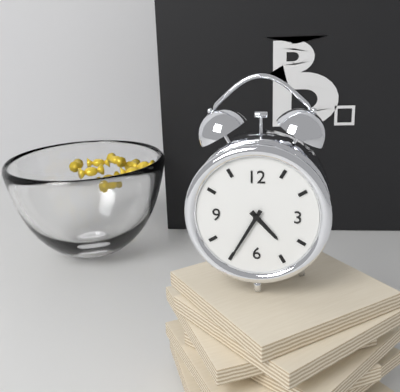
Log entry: **4:35**
